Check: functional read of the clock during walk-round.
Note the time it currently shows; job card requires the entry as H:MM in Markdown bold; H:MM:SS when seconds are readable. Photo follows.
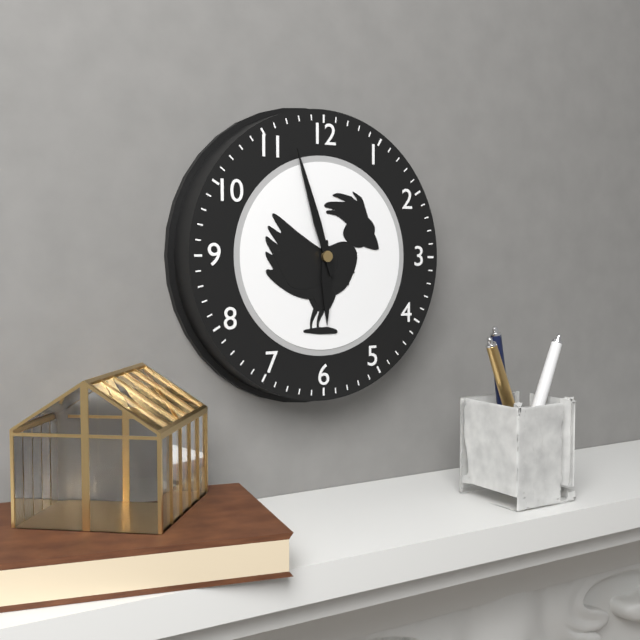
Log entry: **5:57**
